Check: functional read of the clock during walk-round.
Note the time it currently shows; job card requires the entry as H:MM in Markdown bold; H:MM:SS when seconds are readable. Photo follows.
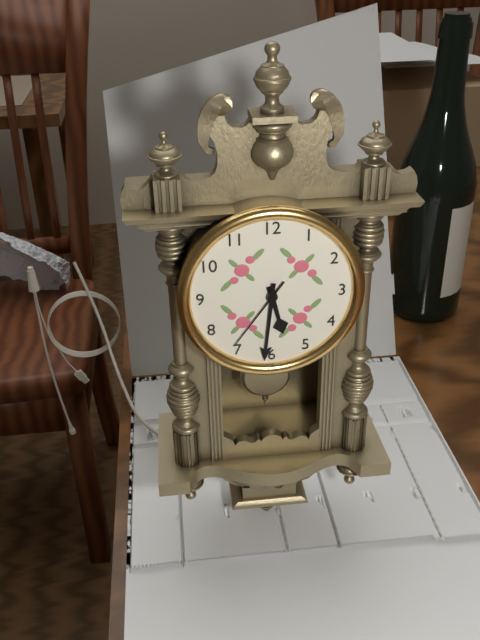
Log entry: **5:31:36**
